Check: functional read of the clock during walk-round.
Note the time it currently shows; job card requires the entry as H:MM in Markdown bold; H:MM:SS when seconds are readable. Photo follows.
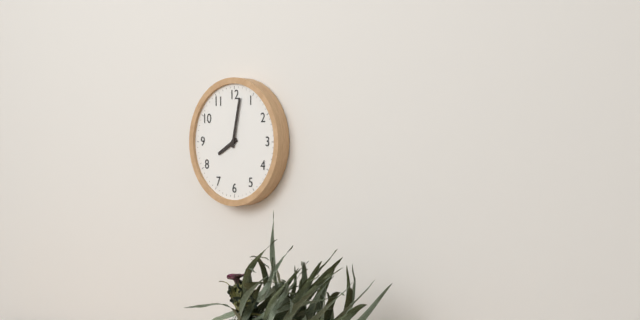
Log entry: **8:02**
